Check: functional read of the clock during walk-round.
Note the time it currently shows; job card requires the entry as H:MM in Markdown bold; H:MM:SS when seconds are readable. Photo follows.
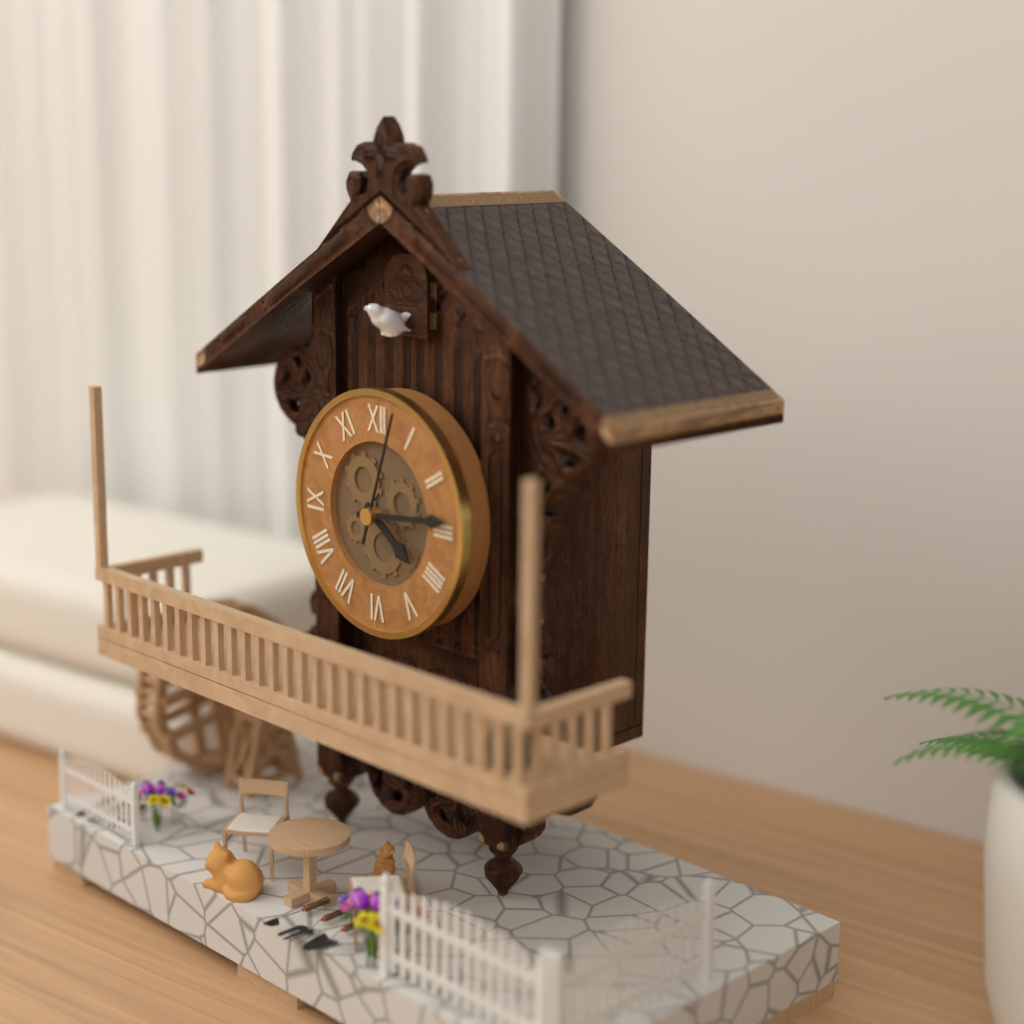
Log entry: **4:14:03**
